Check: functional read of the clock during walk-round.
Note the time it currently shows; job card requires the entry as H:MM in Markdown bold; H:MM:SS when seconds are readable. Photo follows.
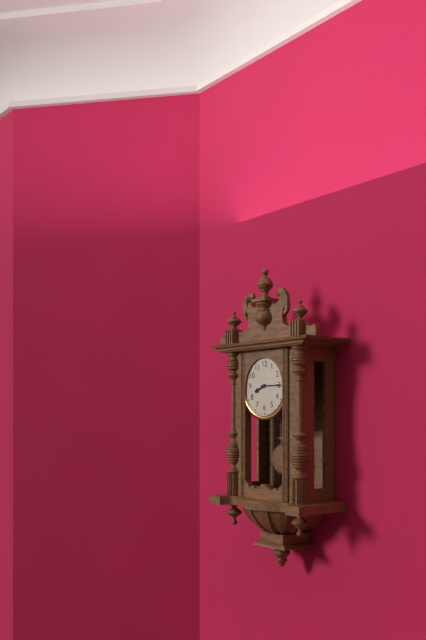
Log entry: **8:15**
